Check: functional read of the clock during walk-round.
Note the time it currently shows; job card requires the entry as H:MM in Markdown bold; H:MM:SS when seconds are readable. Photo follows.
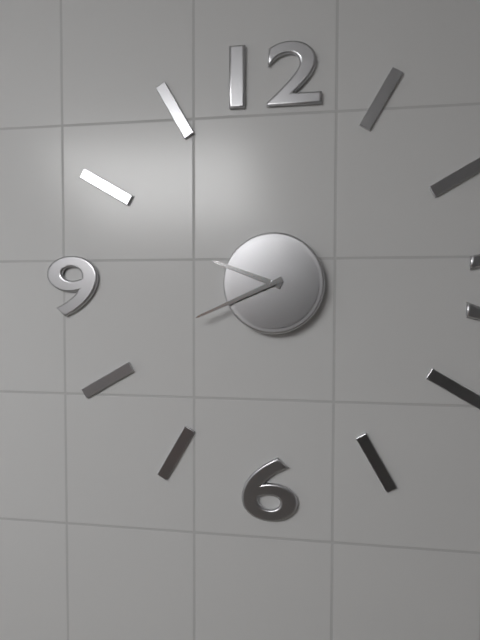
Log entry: **9:41**
